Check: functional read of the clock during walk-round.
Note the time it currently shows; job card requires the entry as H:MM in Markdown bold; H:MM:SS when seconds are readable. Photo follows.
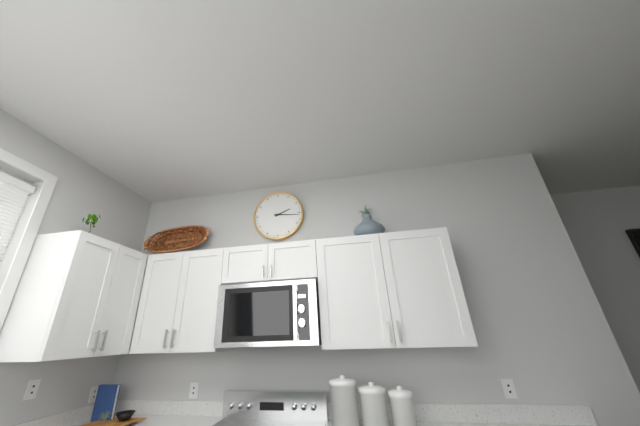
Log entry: **2:16**
